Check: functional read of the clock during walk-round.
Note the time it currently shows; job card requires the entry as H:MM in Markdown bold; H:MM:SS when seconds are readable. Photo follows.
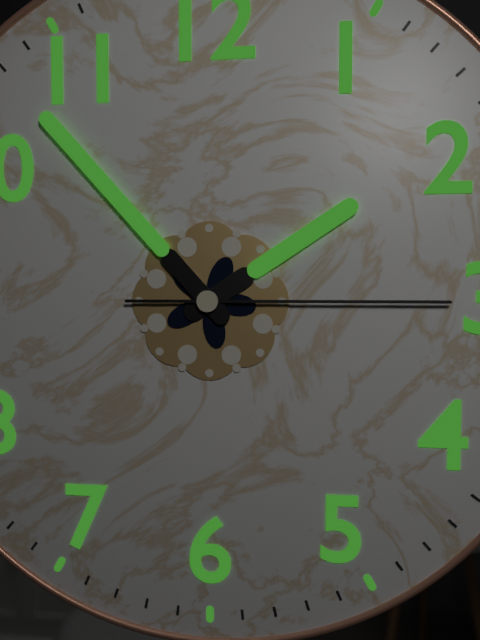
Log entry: **1:53:15**
